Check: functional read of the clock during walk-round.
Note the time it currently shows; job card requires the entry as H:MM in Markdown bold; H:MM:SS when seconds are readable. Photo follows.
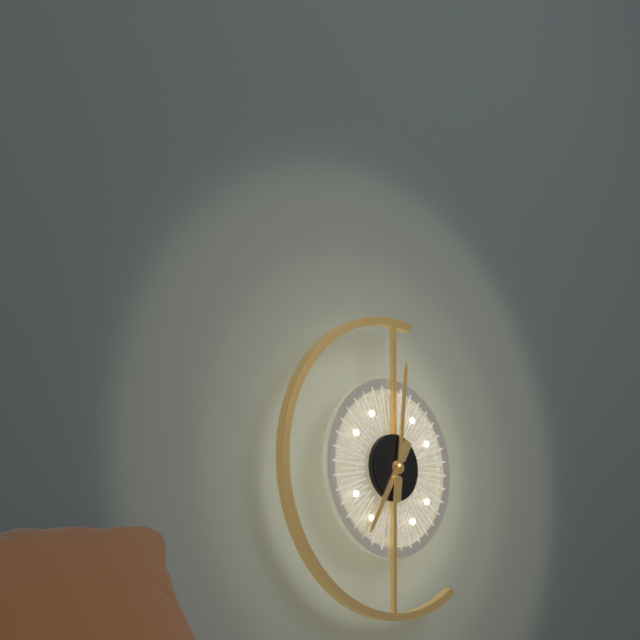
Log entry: **7:01**
